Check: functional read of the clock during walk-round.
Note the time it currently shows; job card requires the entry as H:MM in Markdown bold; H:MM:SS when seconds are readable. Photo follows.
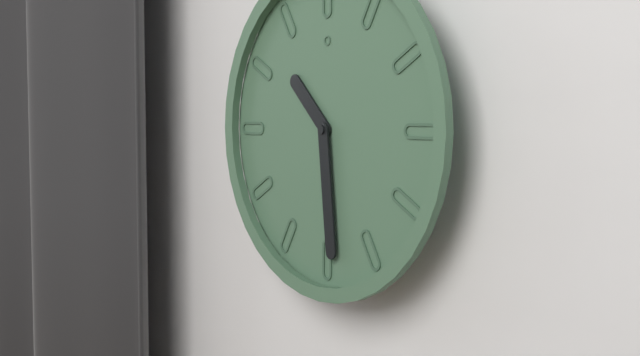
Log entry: **10:29**
